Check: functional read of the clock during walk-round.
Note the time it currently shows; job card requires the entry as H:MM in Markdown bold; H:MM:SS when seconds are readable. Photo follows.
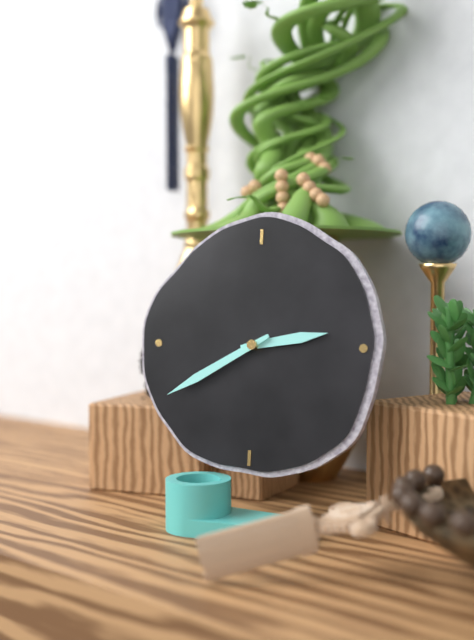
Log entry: **2:40**
